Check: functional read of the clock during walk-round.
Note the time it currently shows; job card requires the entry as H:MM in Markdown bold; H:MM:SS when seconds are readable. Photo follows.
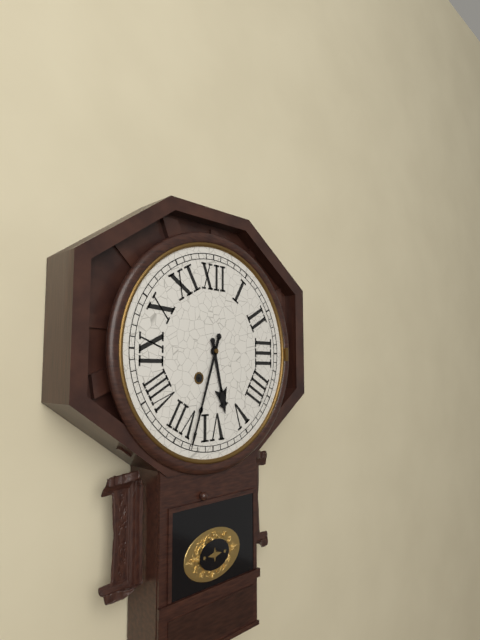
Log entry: **5:33**
